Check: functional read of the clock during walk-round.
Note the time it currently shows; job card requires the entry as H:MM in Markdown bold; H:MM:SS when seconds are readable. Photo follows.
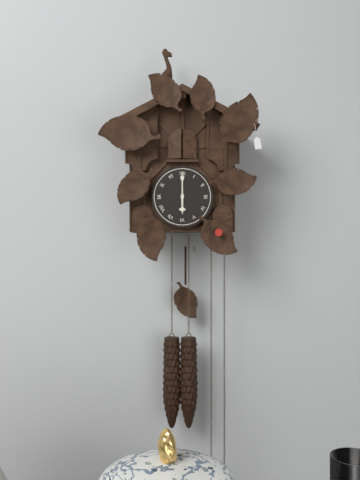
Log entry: **6:00**
